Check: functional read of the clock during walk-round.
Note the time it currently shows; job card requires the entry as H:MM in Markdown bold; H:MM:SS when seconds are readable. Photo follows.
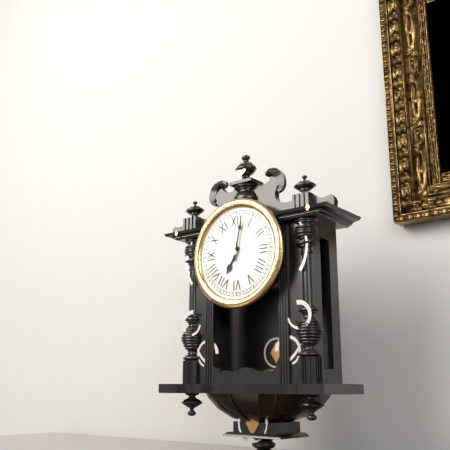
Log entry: **7:02**
